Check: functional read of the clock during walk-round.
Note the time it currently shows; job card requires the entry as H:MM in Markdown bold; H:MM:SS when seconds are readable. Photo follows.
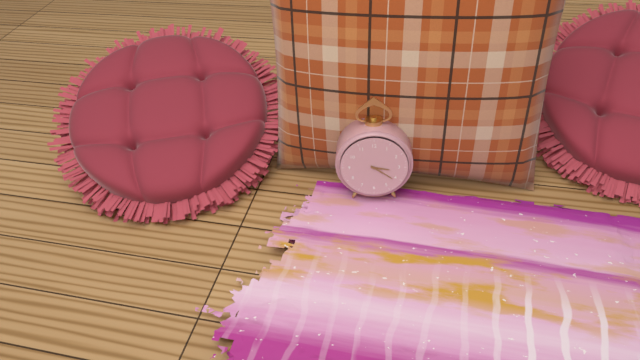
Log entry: **3:21**
